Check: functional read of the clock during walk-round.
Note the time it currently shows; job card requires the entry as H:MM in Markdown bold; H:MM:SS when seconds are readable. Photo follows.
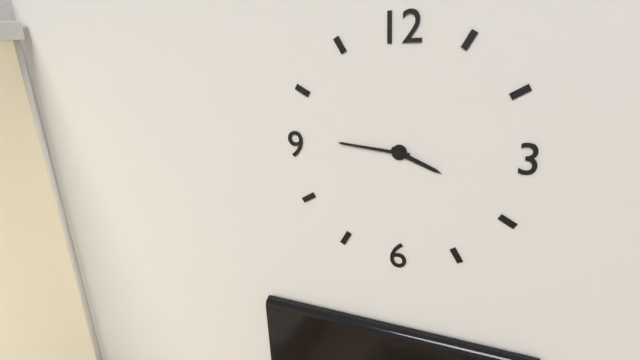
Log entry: **3:46**
